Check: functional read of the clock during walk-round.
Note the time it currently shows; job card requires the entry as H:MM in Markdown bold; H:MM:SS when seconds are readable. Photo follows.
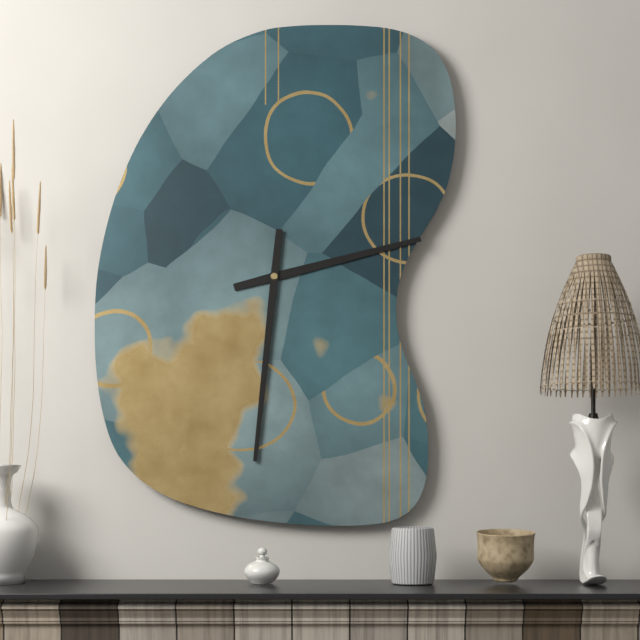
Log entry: **2:31**
